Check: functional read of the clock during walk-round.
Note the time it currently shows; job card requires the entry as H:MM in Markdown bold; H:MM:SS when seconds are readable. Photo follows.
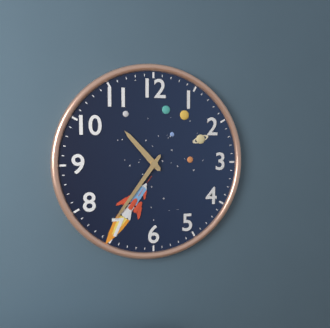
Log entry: **10:36**
